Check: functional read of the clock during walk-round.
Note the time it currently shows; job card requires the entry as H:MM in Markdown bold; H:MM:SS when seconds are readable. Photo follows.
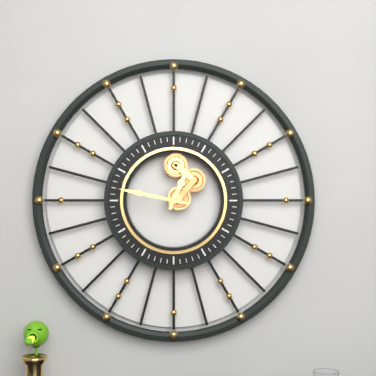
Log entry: **12:47**
